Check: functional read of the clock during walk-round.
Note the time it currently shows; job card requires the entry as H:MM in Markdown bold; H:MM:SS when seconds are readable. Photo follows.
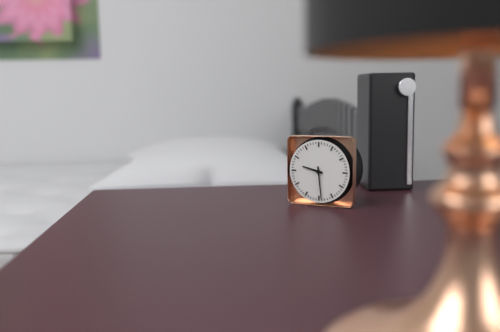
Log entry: **9:29**
